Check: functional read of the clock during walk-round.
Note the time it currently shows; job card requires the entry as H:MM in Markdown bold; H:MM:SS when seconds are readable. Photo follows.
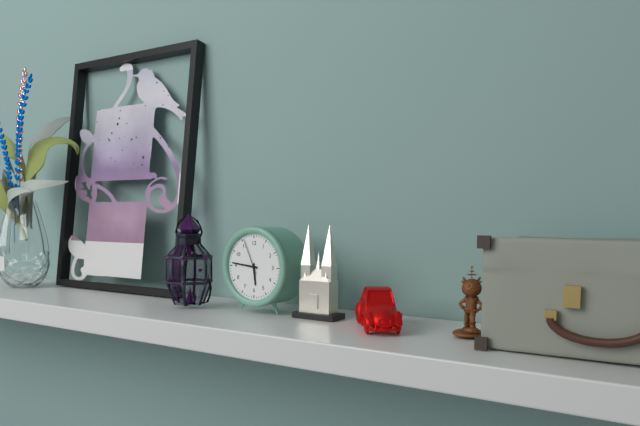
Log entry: **5:46**
